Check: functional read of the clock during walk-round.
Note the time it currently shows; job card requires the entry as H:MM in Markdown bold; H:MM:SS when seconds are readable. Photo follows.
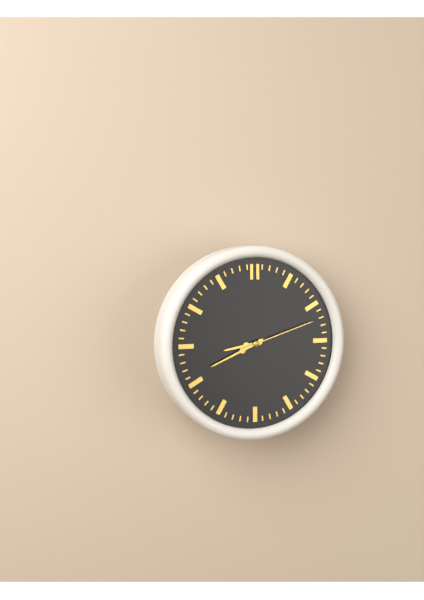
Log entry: **8:41:12**
